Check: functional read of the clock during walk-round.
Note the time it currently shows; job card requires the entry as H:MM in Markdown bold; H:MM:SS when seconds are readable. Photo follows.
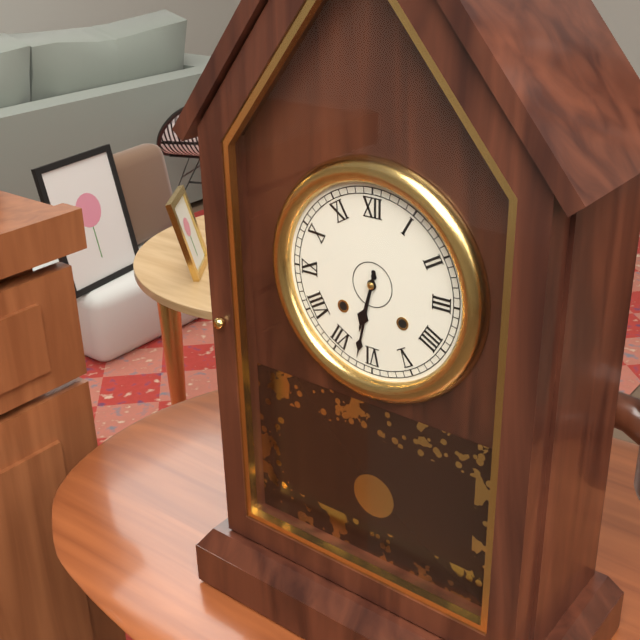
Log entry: **6:32**
